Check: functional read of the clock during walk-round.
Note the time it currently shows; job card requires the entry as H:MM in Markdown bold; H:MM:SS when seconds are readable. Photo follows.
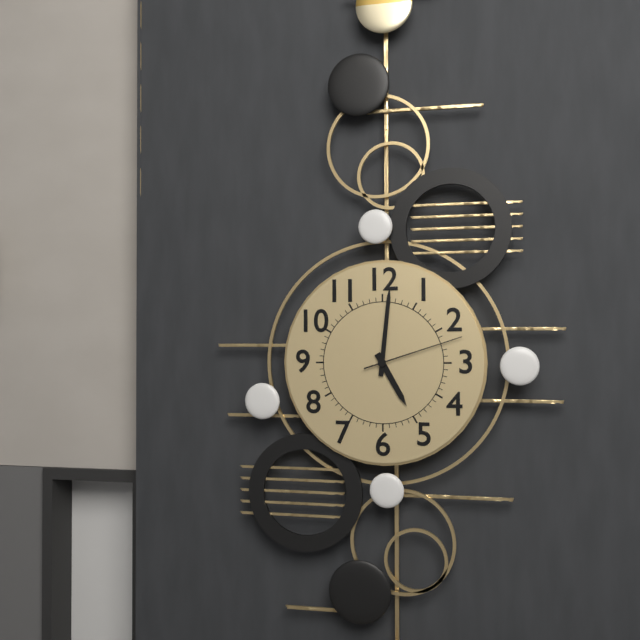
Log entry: **5:01:12**
